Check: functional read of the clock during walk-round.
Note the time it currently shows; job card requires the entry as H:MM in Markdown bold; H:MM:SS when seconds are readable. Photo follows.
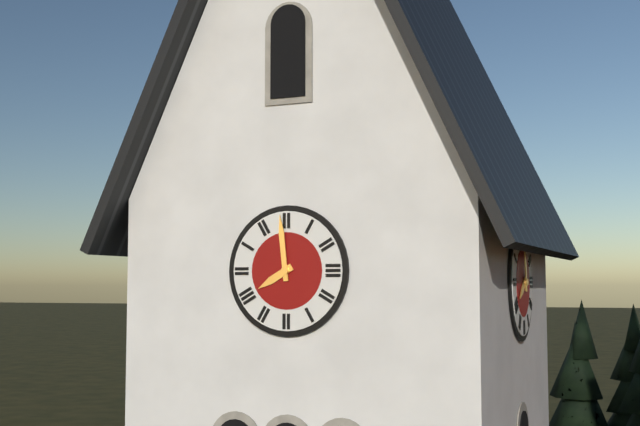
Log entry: **7:59**
